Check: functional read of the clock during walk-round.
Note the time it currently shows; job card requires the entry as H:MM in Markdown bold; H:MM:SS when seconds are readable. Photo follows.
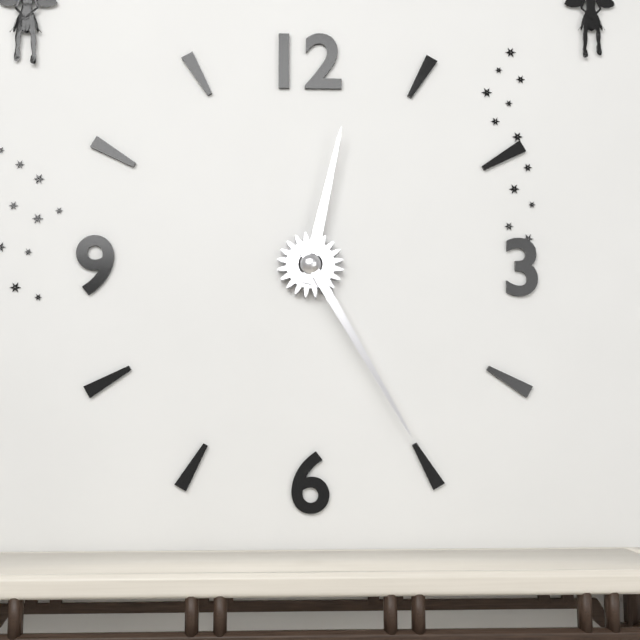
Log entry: **12:25**
